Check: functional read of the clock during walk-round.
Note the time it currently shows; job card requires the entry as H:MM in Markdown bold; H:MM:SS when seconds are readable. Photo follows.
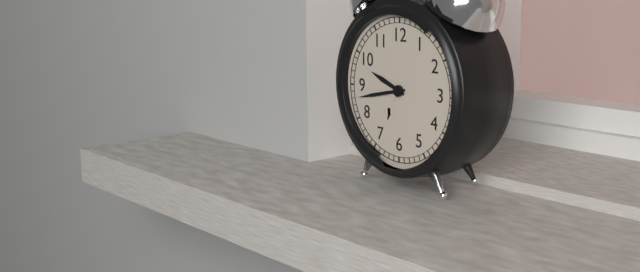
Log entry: **9:43**
